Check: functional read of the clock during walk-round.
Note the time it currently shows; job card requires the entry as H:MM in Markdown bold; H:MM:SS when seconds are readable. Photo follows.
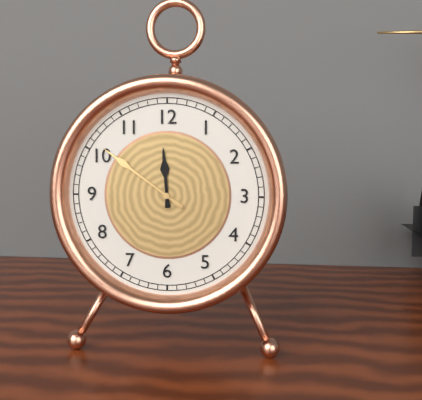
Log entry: **11:51**
